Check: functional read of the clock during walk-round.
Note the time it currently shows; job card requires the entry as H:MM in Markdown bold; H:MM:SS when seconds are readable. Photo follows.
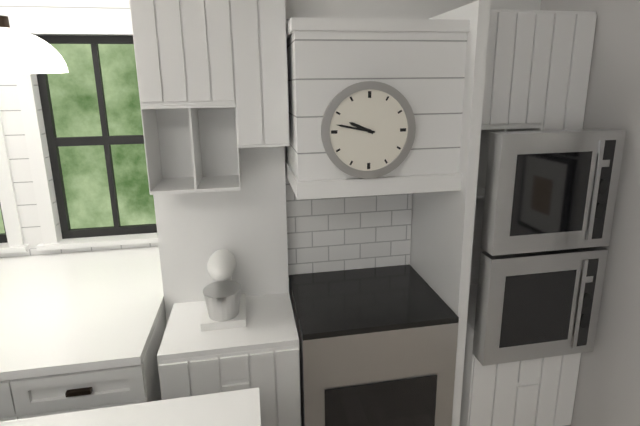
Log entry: **9:47**
